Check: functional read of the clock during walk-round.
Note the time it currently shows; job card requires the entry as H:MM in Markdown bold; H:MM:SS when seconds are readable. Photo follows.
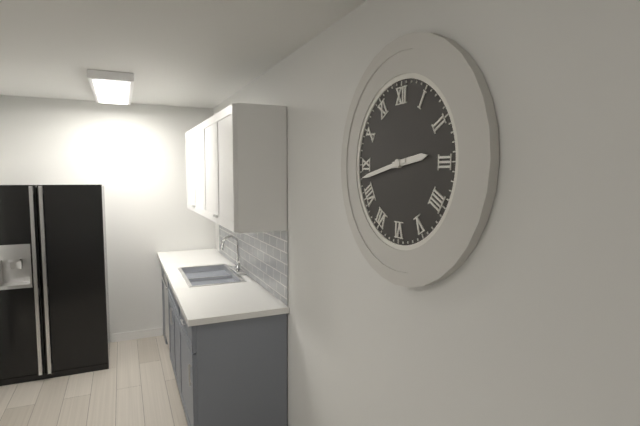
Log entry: **2:43**
